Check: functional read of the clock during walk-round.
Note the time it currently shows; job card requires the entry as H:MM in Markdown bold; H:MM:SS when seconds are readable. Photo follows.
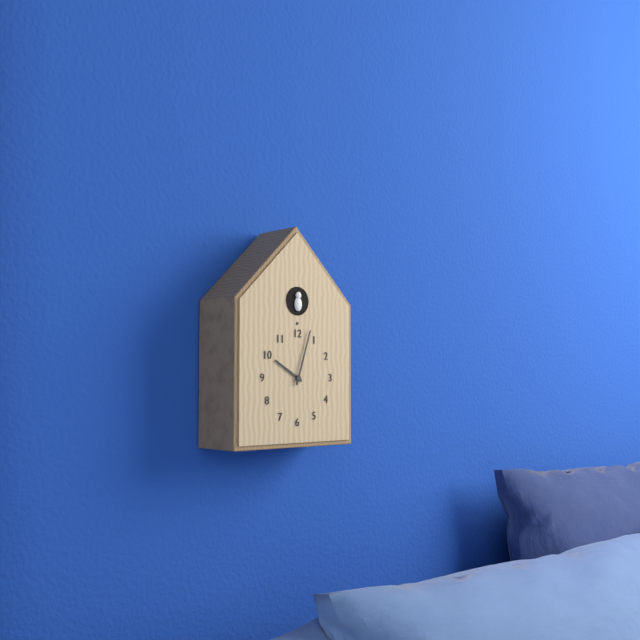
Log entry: **10:03**
